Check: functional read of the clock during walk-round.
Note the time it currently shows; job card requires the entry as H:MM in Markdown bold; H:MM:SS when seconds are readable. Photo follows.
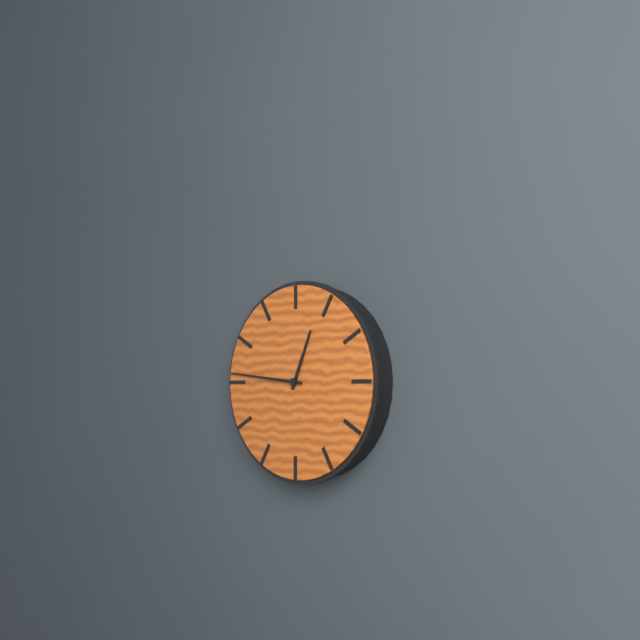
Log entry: **12:46**
